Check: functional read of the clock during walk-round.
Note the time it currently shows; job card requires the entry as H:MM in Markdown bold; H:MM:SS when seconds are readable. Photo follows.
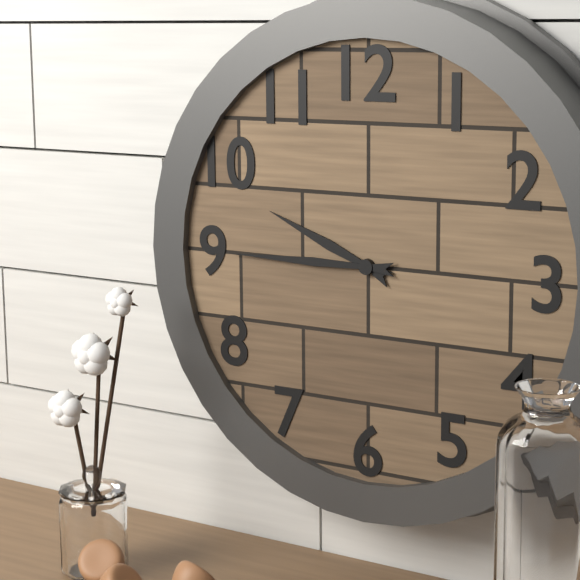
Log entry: **9:45**
